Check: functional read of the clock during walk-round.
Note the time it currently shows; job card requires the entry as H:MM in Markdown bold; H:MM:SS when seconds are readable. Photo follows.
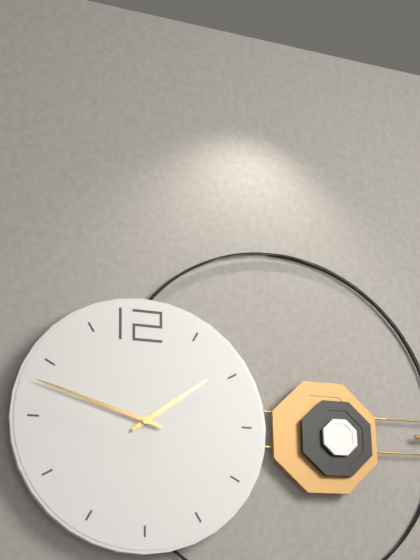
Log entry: **1:48**
